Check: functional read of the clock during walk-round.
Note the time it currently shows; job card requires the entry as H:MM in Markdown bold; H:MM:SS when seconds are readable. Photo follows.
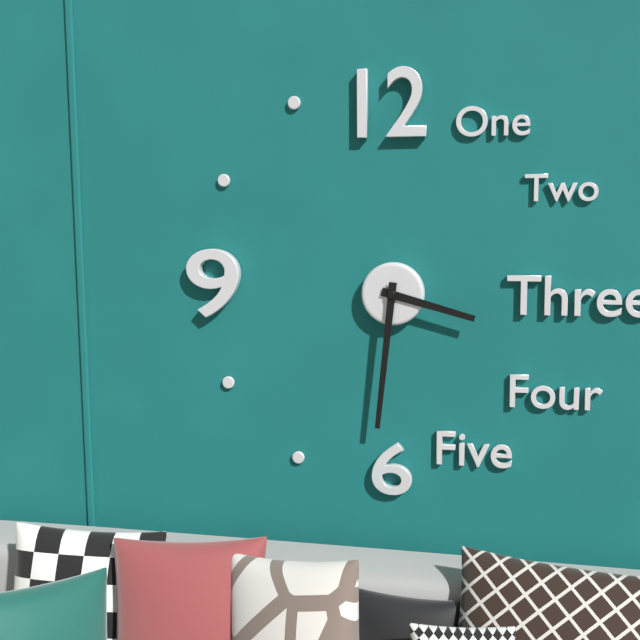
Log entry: **3:31**
